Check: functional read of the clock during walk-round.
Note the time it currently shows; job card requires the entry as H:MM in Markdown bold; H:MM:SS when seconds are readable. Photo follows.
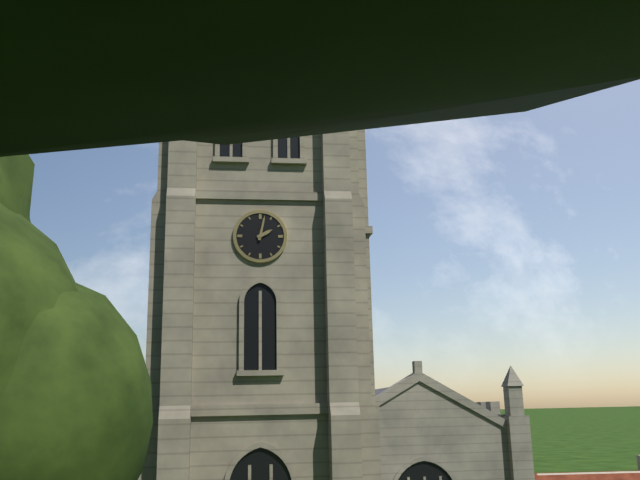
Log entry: **2:02**
